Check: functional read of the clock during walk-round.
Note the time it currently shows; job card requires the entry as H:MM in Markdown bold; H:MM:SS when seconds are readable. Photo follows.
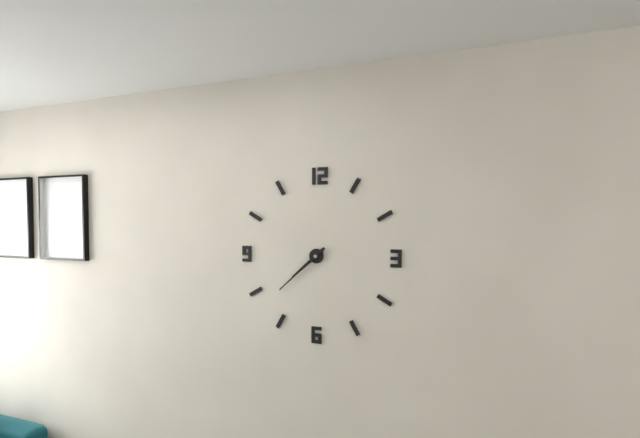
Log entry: **7:38**
